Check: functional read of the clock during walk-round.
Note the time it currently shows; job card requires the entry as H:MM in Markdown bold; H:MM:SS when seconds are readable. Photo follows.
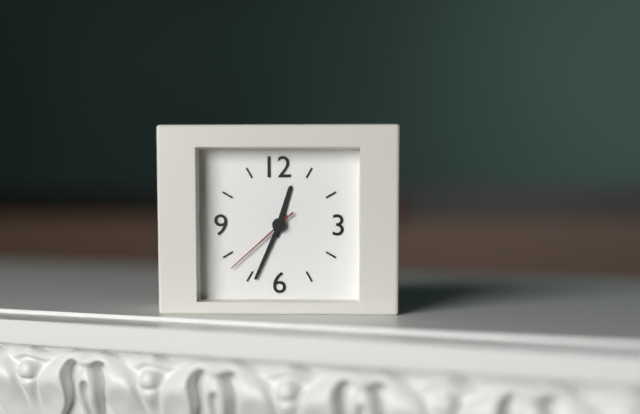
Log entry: **12:34:38**
